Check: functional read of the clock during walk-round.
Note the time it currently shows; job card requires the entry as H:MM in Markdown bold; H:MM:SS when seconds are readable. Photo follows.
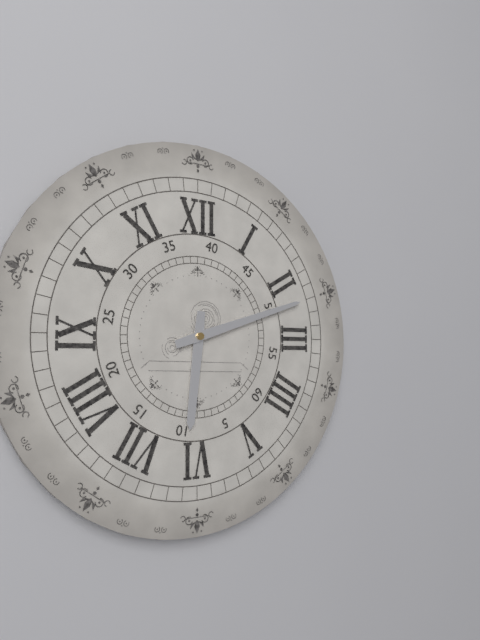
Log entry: **6:12**
